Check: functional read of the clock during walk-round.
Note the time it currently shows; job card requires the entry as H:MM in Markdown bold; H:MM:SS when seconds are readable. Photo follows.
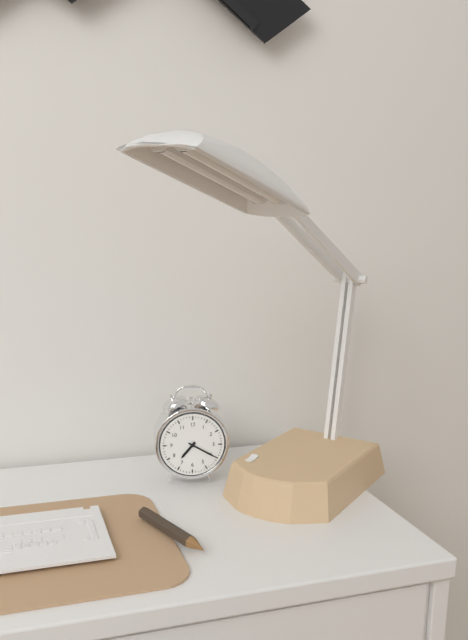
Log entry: **7:20**
